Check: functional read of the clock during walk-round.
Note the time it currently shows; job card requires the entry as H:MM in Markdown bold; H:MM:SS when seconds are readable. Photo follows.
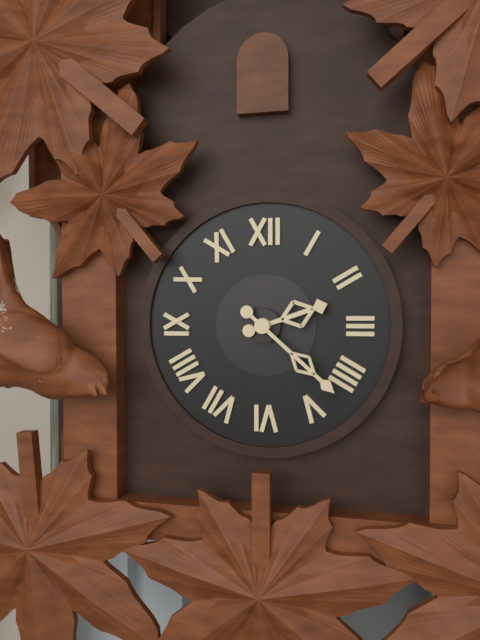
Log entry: **2:22**
